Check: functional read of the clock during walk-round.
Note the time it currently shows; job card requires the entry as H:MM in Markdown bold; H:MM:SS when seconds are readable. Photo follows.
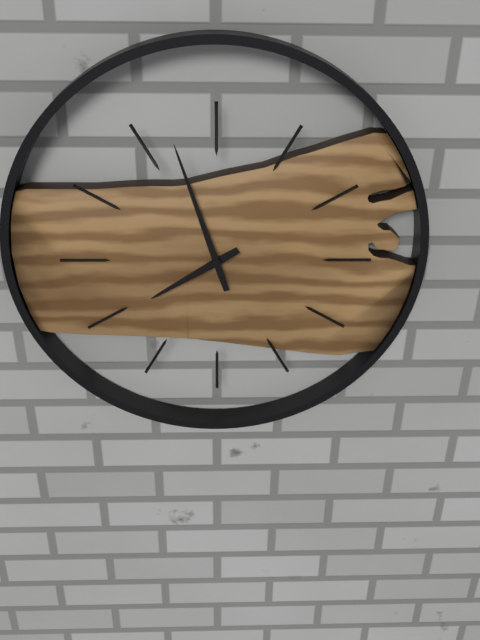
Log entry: **7:57**
